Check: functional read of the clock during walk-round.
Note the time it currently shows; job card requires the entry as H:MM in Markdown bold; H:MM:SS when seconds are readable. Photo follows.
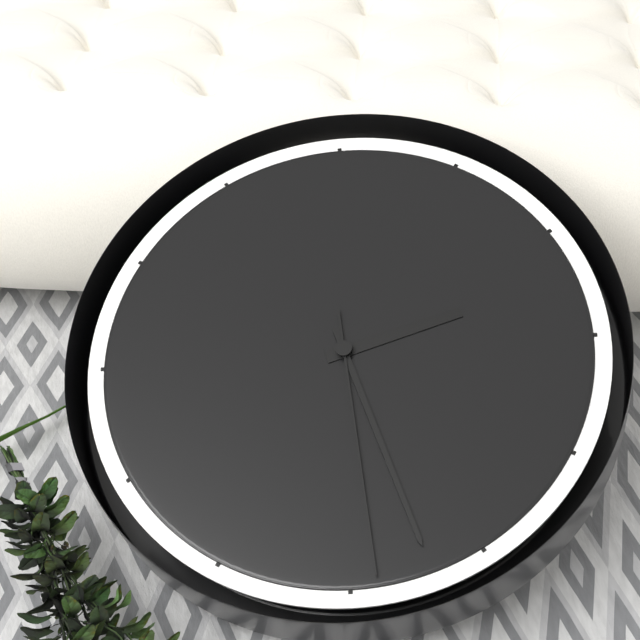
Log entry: **2:27:29**
